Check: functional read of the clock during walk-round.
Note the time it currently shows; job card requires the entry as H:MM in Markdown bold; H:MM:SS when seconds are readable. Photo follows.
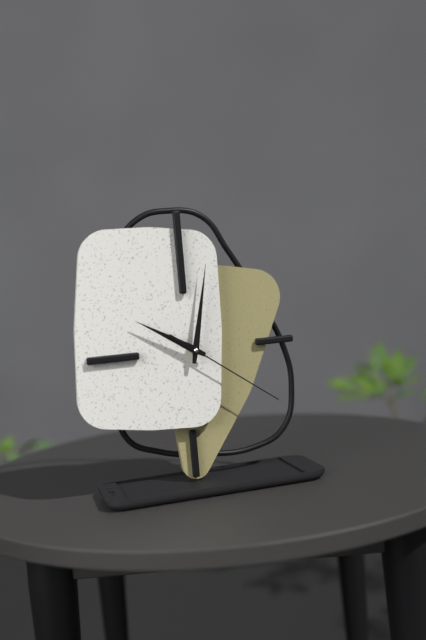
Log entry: **10:02:21**
